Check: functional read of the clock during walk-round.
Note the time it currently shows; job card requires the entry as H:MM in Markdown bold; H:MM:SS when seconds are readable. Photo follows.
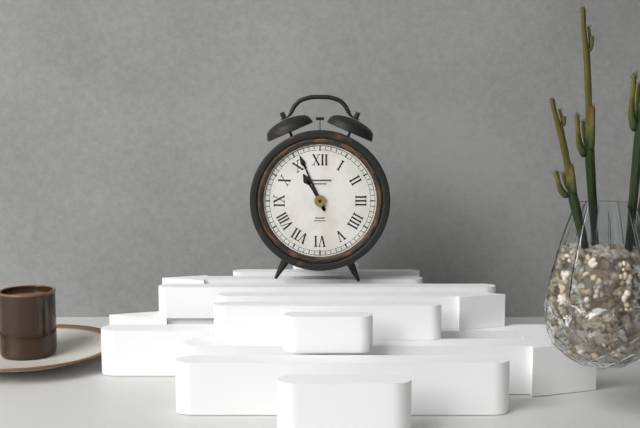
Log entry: **10:56**
